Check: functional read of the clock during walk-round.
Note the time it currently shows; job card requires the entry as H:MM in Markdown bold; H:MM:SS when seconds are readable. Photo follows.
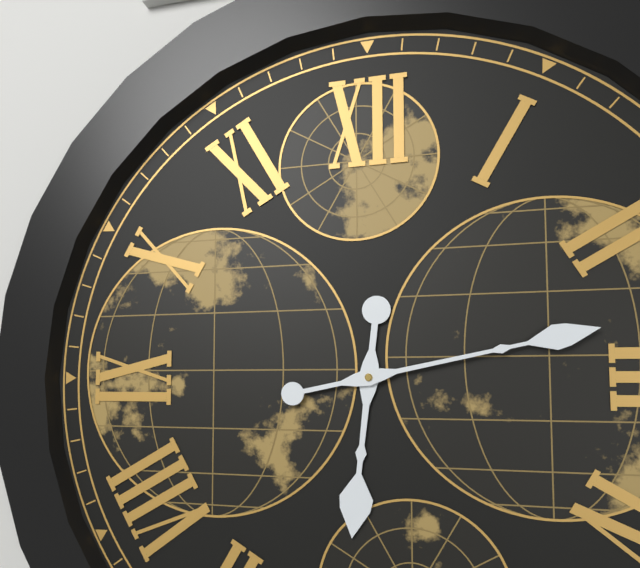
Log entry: **6:13**
